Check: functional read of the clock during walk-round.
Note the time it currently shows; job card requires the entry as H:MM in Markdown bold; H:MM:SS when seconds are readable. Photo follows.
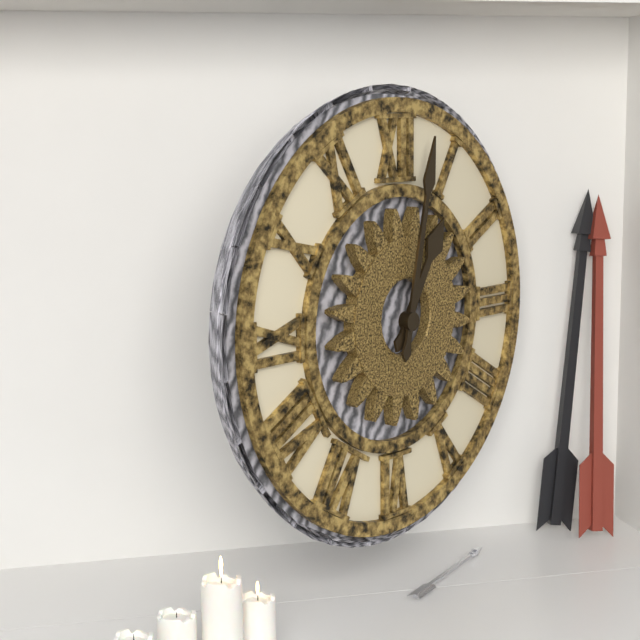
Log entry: **1:02**
